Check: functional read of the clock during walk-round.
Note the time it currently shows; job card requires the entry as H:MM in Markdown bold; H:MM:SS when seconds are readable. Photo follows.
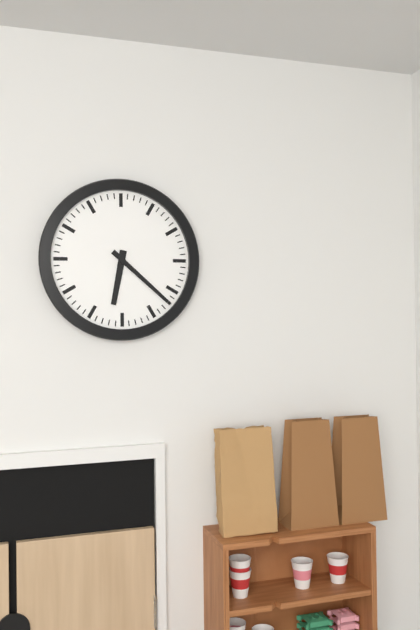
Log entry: **6:22**
